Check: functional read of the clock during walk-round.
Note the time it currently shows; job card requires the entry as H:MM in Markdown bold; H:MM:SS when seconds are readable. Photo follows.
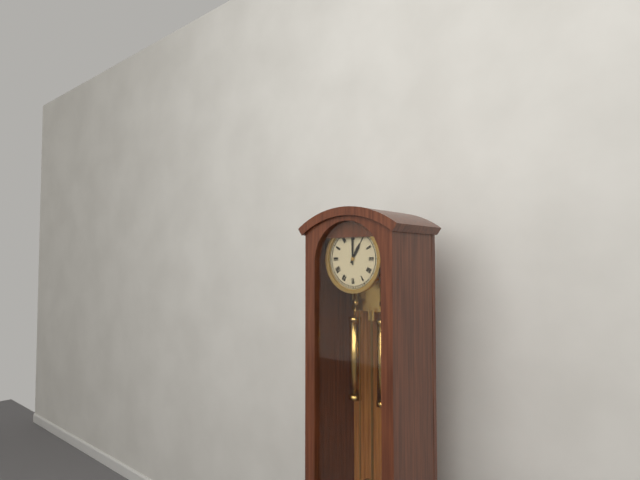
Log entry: **1:00**
